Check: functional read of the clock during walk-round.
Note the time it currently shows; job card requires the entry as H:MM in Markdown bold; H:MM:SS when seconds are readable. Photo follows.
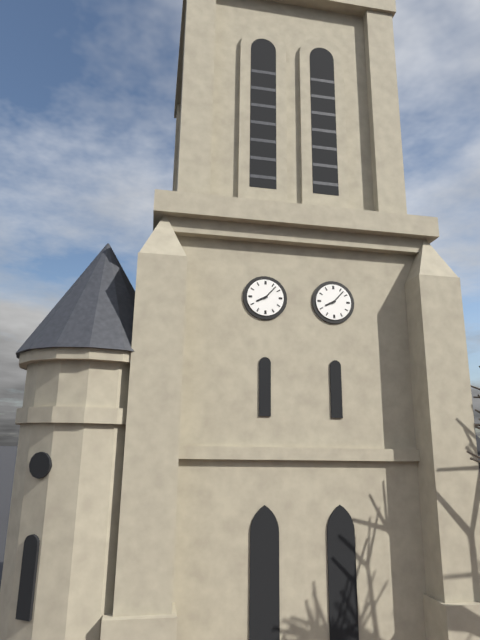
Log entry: **8:07**
